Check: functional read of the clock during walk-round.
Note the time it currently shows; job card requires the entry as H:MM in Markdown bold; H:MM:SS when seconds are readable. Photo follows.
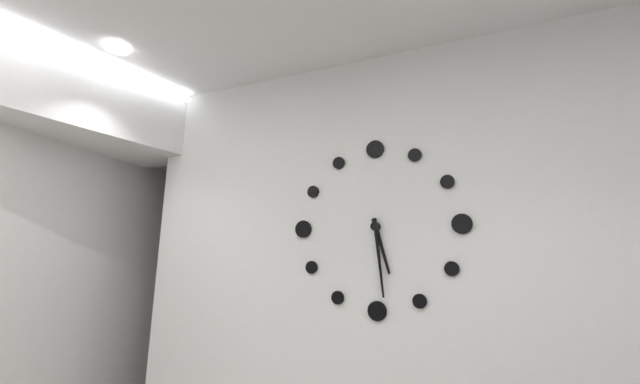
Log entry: **5:29**
